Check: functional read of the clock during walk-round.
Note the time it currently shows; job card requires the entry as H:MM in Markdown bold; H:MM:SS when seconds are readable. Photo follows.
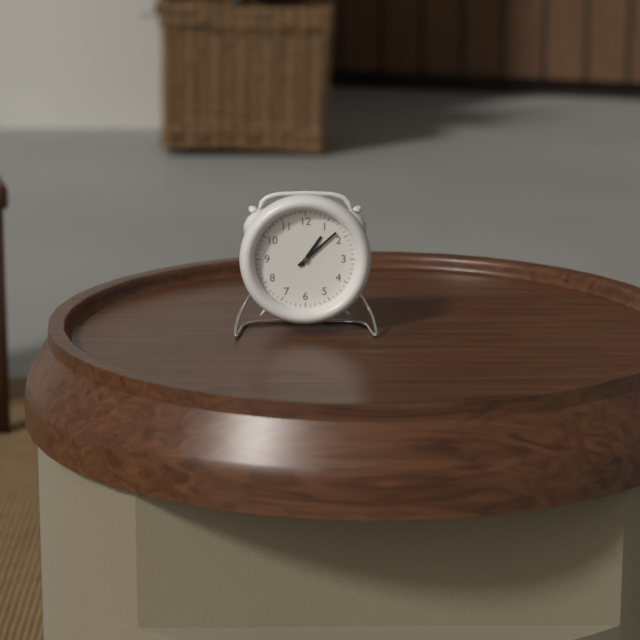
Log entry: **1:08**
